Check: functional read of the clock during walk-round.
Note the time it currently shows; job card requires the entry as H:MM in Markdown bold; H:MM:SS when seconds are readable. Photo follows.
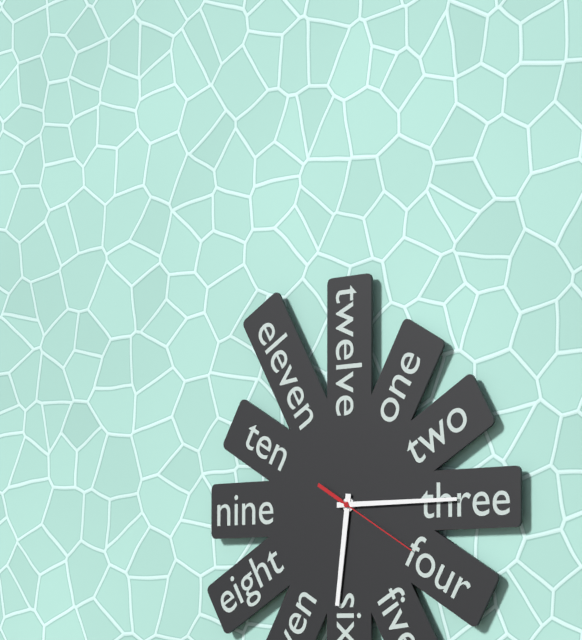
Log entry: **6:15:20**
